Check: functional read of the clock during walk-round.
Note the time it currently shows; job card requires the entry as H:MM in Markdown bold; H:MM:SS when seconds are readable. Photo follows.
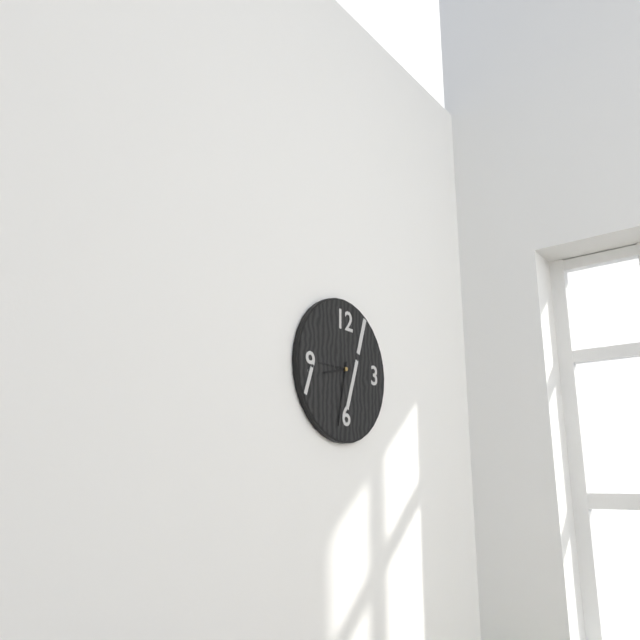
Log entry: **8:32**
